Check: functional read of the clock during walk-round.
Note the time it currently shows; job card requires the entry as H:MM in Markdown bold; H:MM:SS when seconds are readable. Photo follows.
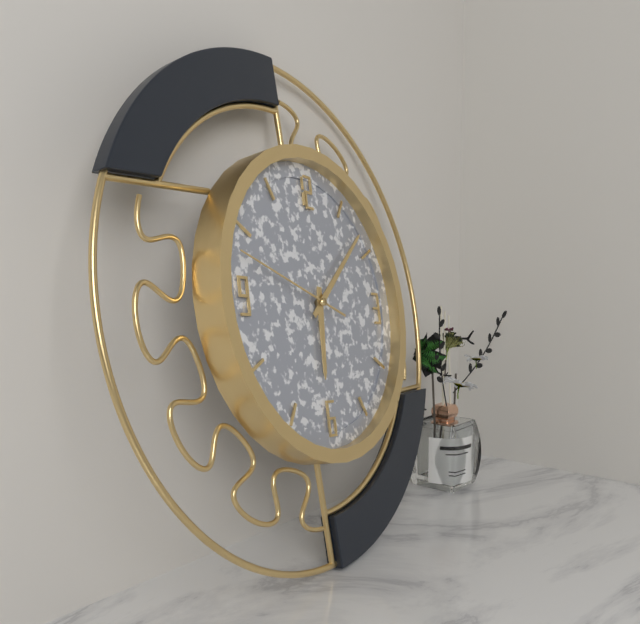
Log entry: **6:08:48**
